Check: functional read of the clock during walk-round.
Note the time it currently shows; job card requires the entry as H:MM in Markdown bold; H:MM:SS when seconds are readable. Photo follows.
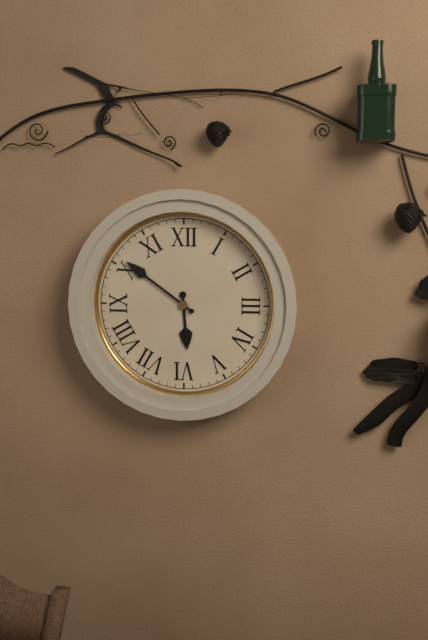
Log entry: **5:51**
